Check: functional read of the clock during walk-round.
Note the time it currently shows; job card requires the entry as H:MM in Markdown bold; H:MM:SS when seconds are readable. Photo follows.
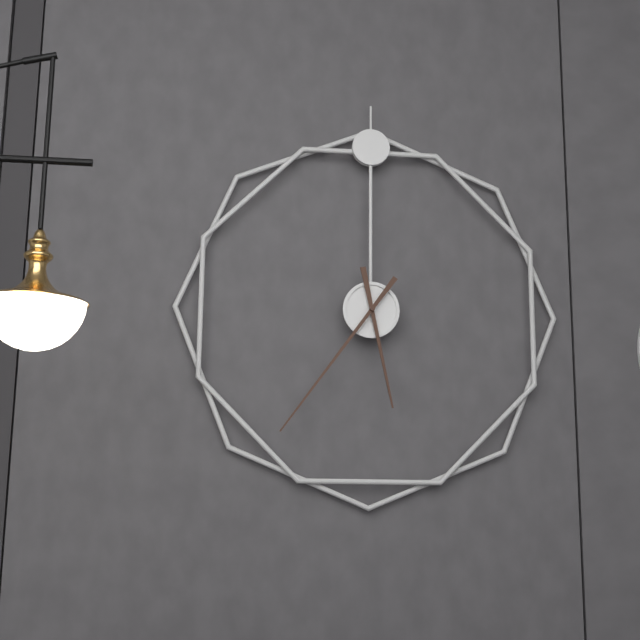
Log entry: **5:36**
